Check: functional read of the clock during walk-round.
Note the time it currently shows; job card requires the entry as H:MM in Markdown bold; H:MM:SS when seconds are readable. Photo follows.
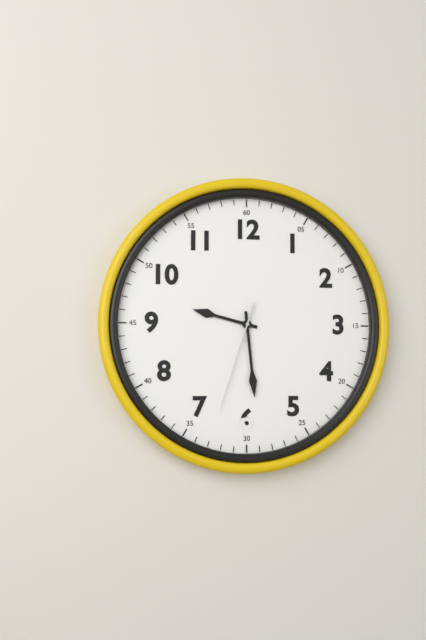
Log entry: **9:29:33**
